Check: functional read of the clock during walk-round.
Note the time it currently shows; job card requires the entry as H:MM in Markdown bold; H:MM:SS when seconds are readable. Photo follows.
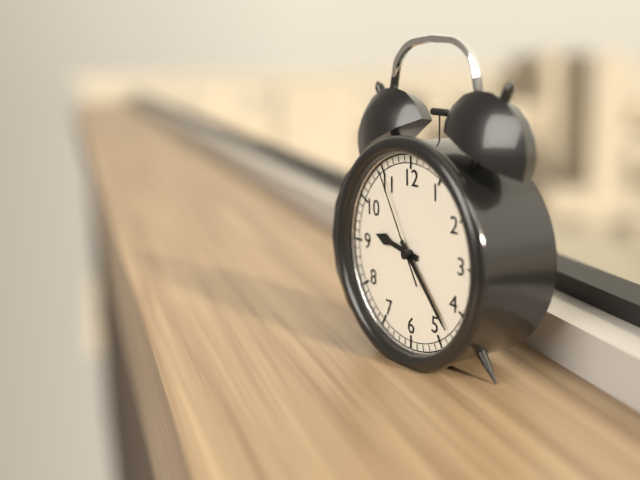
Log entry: **9:23:55**
